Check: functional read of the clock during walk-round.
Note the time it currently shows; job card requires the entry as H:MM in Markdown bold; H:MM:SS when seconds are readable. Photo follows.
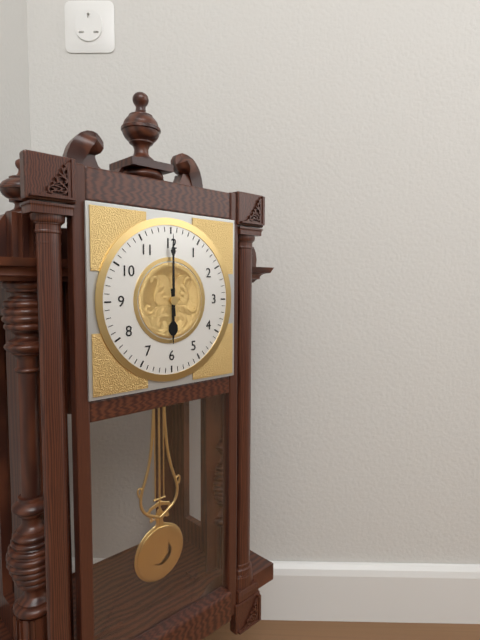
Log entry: **6:00**
